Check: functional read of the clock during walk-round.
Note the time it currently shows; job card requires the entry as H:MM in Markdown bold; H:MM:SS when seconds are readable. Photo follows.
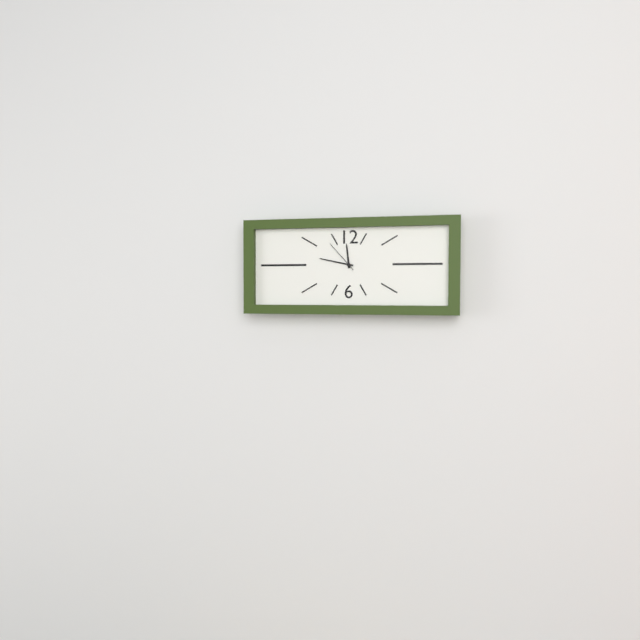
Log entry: **11:47**
